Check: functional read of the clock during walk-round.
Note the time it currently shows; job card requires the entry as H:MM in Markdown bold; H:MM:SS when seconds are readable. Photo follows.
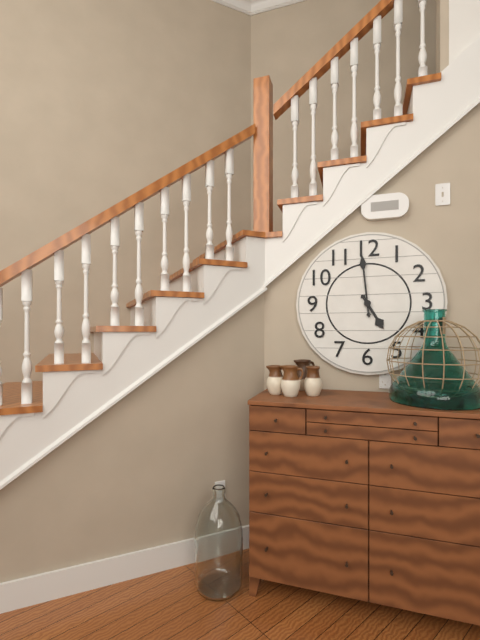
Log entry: **4:59**
